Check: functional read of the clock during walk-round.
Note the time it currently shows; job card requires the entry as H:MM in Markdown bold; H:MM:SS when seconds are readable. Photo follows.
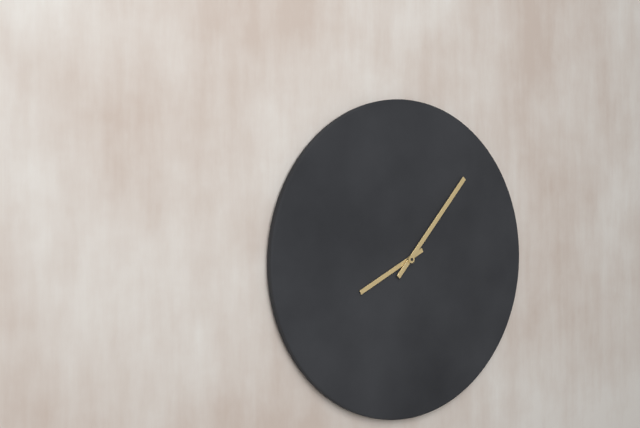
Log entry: **8:07**
